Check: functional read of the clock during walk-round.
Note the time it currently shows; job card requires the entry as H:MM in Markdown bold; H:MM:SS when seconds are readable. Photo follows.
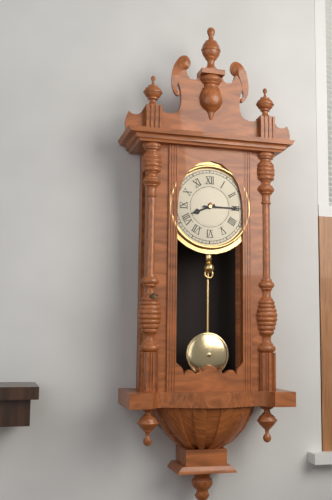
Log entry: **8:15**
